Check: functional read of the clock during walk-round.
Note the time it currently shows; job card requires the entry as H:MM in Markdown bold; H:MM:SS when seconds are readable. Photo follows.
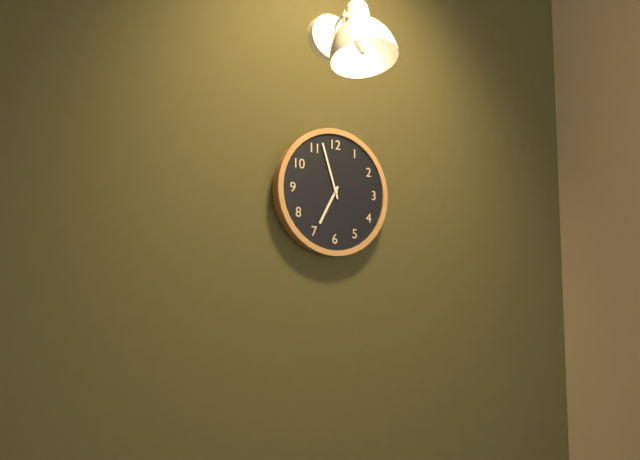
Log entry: **6:57**
